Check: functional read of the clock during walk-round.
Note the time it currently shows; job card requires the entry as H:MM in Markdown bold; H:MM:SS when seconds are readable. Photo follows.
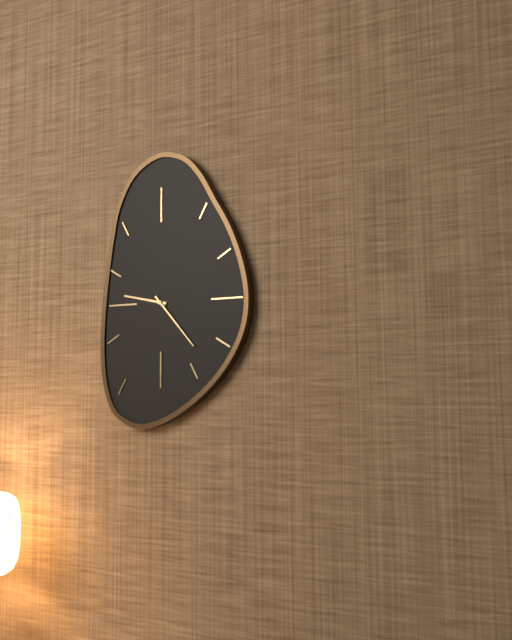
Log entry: **9:23**
